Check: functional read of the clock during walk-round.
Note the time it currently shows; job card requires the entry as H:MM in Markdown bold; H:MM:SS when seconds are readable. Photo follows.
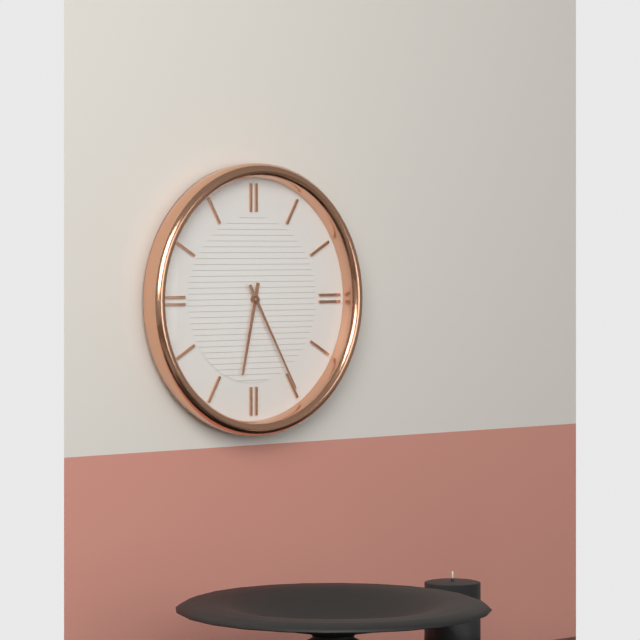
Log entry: **6:25**
